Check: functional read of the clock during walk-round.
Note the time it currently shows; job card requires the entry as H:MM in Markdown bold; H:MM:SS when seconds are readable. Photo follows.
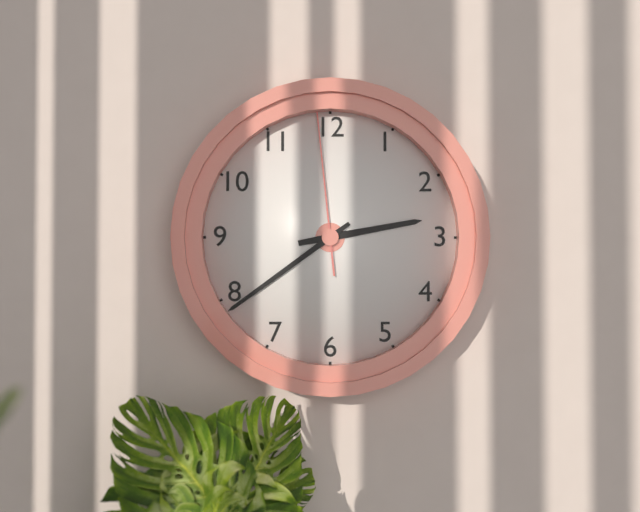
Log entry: **2:39:59**
